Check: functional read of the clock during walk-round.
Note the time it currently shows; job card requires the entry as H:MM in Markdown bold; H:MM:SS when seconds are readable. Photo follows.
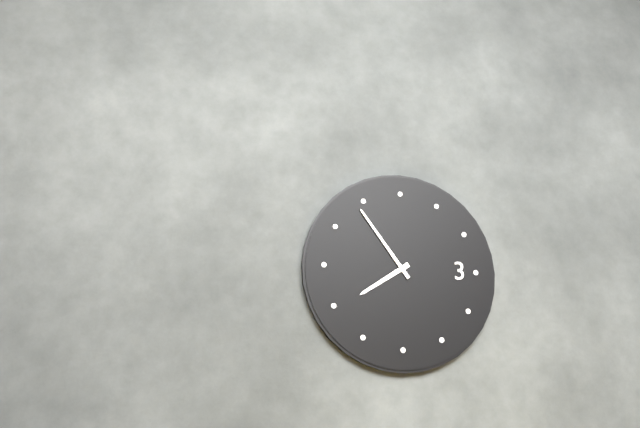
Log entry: **7:54**
